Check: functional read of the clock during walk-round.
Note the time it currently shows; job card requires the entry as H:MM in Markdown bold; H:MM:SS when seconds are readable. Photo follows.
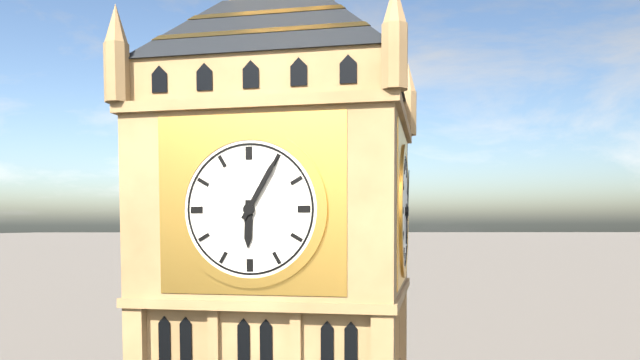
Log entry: **6:05**
